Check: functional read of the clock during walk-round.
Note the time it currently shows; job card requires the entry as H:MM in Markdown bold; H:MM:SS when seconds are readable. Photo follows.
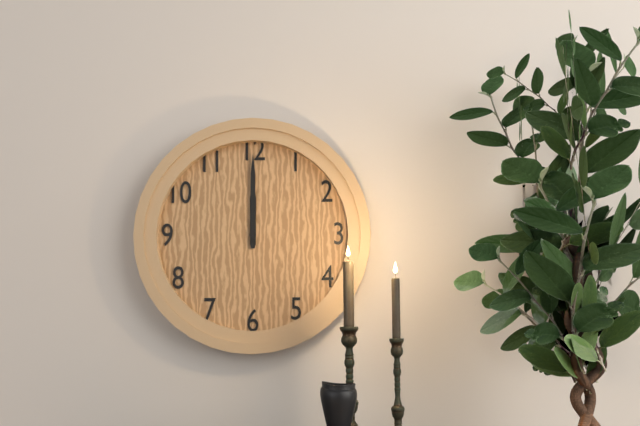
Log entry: **12:00**
